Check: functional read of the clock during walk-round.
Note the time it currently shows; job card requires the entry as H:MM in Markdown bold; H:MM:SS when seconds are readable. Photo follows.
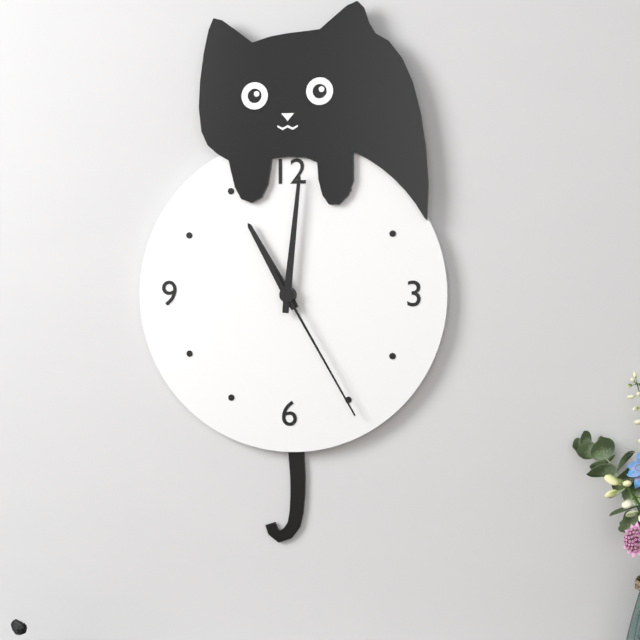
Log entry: **11:01:25**
